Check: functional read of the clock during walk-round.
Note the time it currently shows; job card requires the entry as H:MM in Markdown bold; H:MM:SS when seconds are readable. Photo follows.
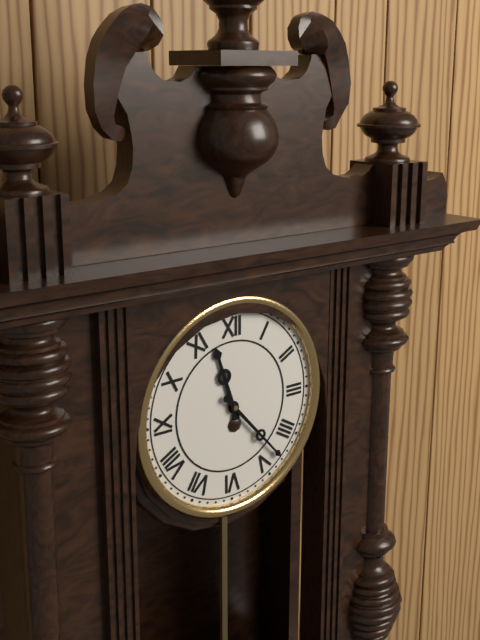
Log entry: **11:23**
